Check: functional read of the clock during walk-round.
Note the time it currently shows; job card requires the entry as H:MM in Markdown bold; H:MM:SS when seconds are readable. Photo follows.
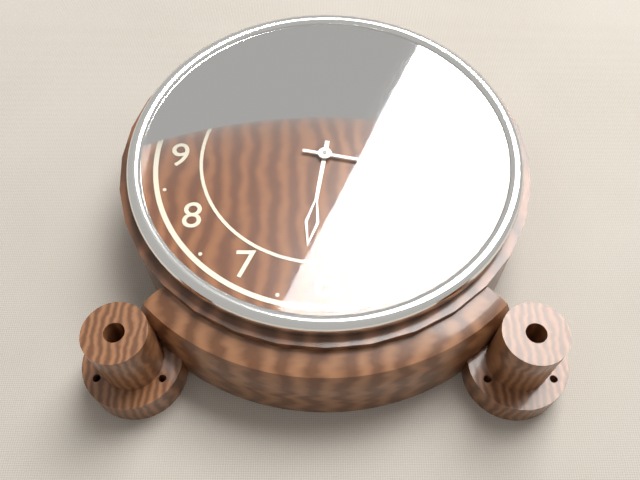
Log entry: **6:17**
